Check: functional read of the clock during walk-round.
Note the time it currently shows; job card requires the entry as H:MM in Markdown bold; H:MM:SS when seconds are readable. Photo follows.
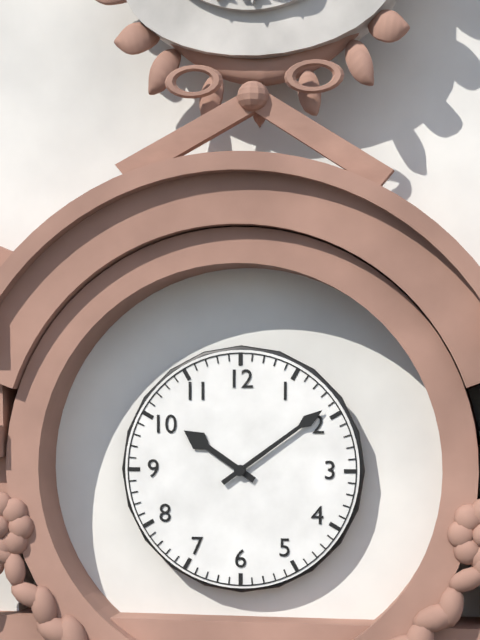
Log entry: **10:09**
